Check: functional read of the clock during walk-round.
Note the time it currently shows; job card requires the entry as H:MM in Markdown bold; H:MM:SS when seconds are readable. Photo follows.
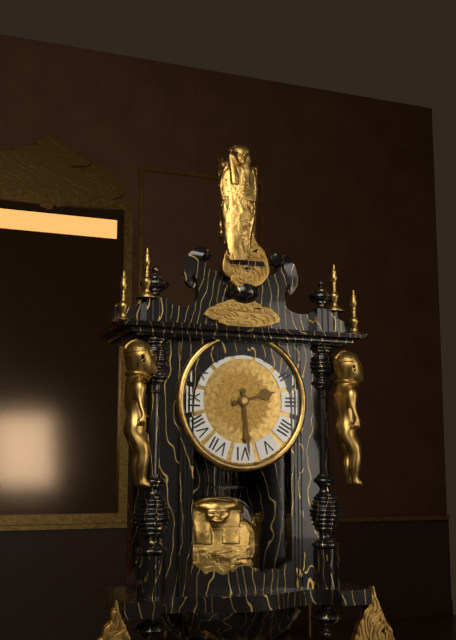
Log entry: **2:29**
